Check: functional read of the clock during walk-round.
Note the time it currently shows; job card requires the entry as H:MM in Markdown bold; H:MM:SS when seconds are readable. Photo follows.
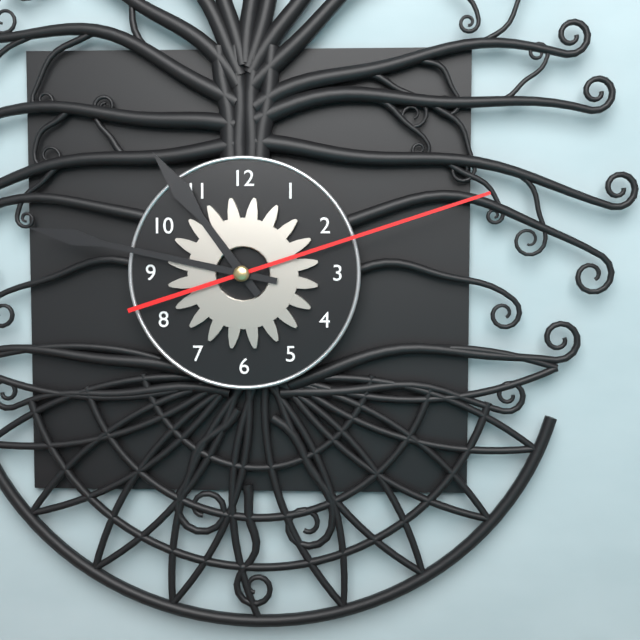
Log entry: **10:47:12**
